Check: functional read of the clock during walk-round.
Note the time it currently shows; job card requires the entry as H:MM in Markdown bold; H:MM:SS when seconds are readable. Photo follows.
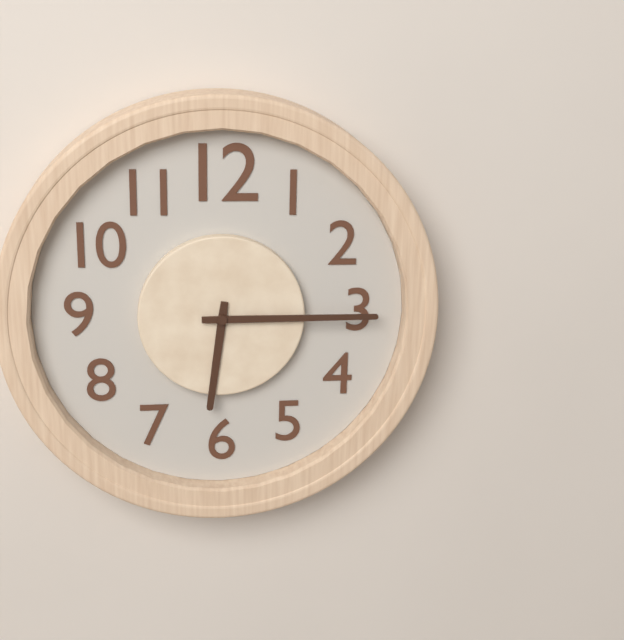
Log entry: **6:15**
